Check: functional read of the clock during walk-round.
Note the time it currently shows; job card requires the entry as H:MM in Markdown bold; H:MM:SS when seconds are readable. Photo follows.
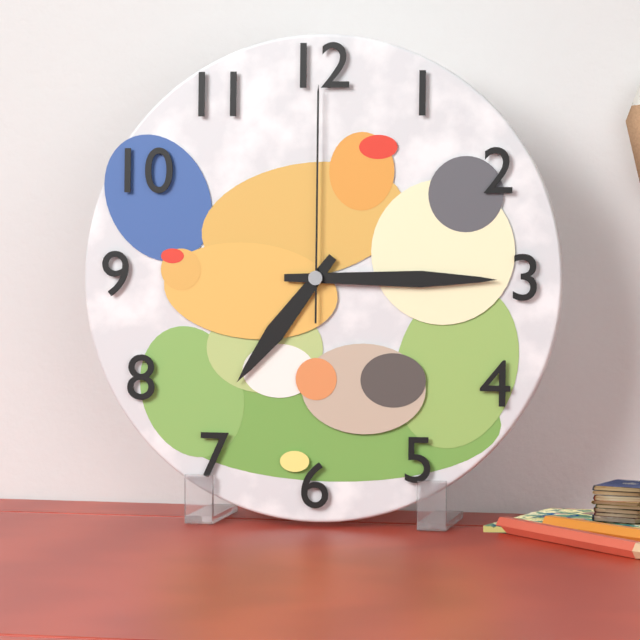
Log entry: **7:15:00**
